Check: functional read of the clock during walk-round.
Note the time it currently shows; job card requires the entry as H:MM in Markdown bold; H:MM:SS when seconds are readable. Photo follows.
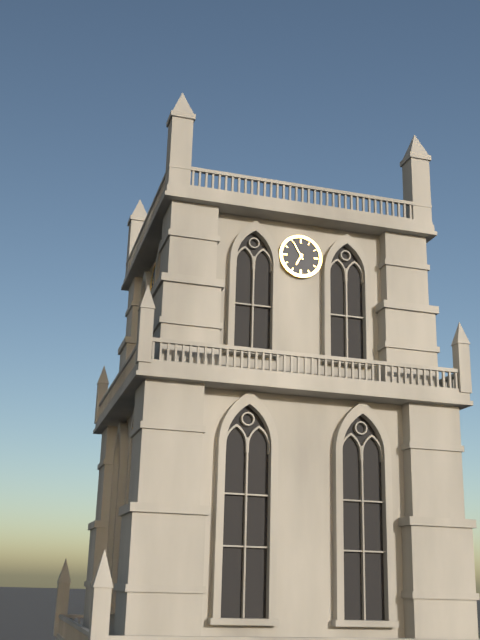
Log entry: **6:55**
